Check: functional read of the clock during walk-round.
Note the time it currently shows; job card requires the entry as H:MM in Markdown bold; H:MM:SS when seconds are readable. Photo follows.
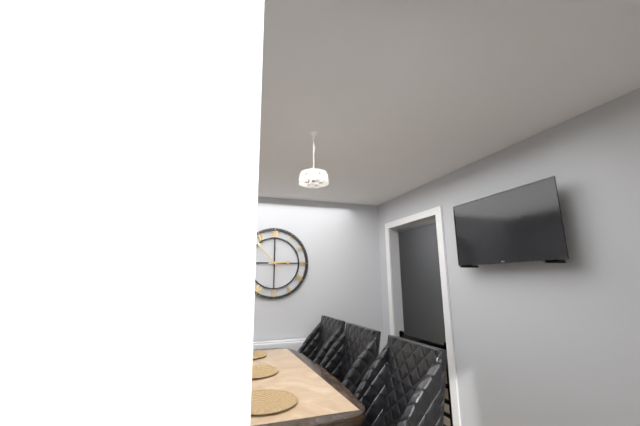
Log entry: **2:53**
